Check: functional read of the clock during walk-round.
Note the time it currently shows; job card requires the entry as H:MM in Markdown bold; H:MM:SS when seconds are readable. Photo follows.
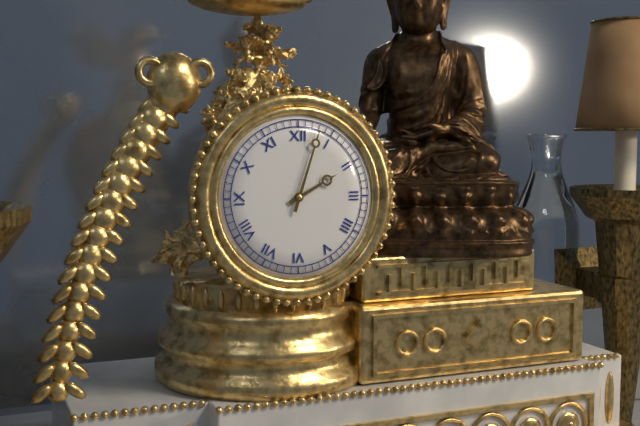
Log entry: **2:03**
